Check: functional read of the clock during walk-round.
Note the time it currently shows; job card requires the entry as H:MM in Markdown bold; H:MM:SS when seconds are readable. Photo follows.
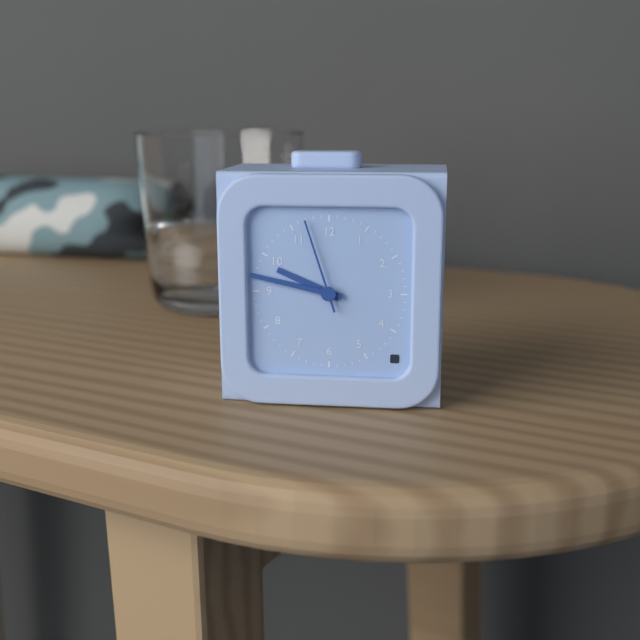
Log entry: **9:47:57**
